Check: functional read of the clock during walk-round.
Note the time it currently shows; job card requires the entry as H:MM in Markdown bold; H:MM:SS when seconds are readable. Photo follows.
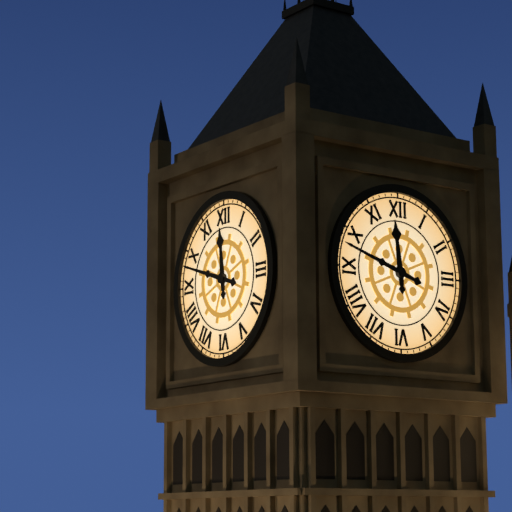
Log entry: **11:48**
